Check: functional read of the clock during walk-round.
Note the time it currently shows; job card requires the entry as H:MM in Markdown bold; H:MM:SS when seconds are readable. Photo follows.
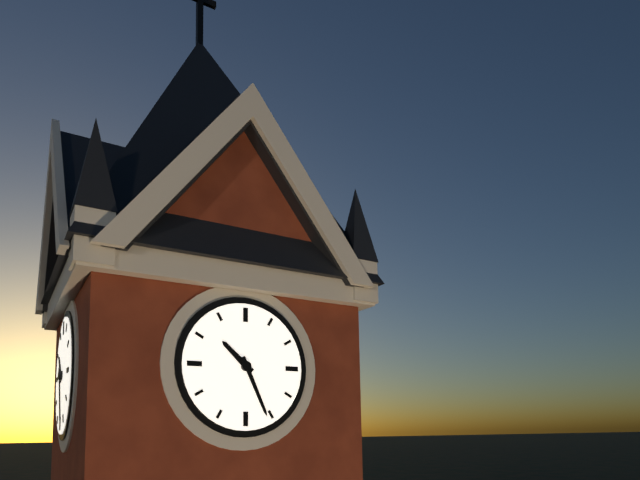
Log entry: **10:26**
